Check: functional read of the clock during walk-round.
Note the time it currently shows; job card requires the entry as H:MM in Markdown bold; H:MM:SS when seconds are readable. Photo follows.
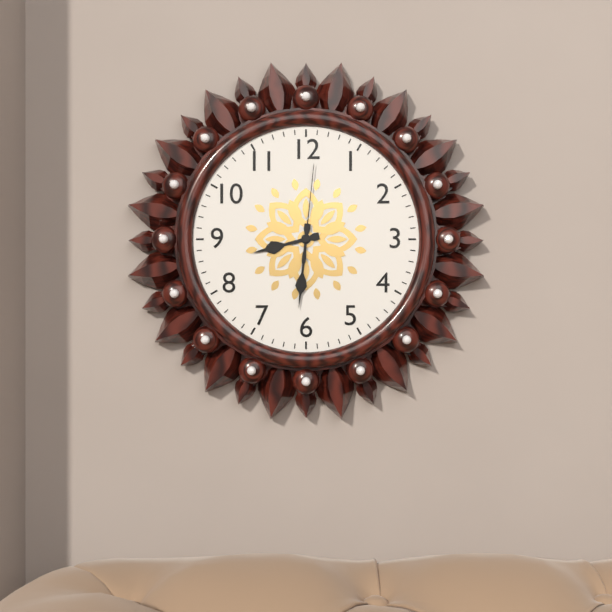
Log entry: **8:31:01**
